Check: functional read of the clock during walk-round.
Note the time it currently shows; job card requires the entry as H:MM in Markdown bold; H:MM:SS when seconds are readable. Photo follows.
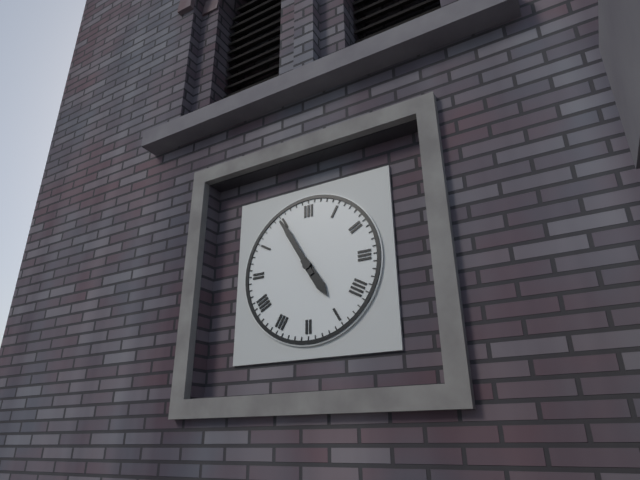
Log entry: **4:55**
